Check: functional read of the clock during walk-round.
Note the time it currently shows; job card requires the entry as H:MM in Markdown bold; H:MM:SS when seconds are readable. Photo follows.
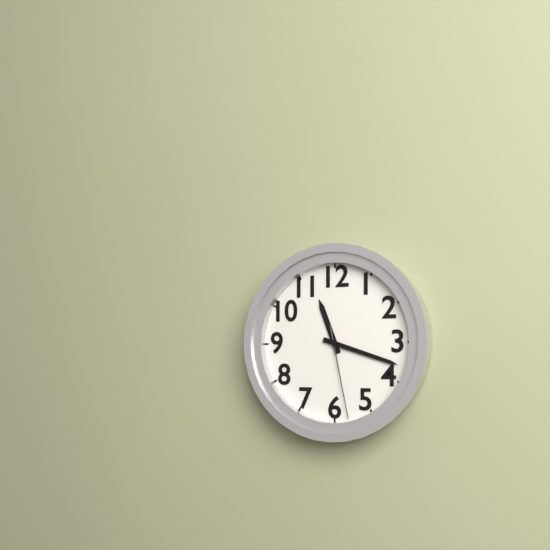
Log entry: **11:18:28**
